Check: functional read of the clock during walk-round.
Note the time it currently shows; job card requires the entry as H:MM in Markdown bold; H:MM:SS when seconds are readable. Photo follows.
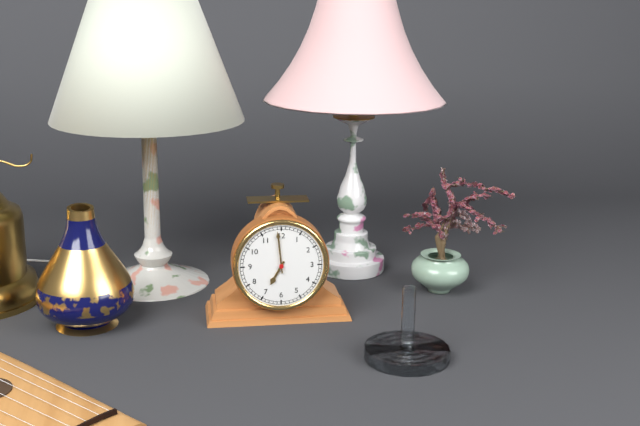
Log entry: **6:59**
